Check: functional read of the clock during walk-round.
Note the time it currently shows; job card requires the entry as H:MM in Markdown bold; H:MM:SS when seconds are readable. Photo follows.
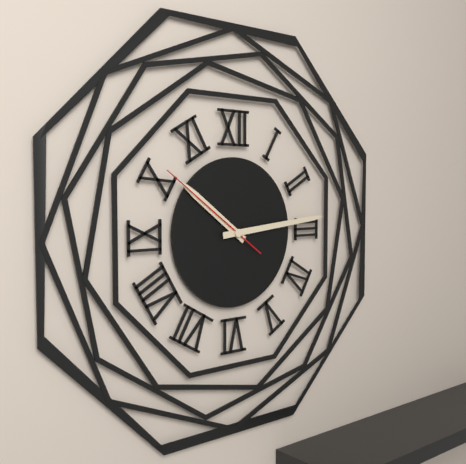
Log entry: **10:14:51**
